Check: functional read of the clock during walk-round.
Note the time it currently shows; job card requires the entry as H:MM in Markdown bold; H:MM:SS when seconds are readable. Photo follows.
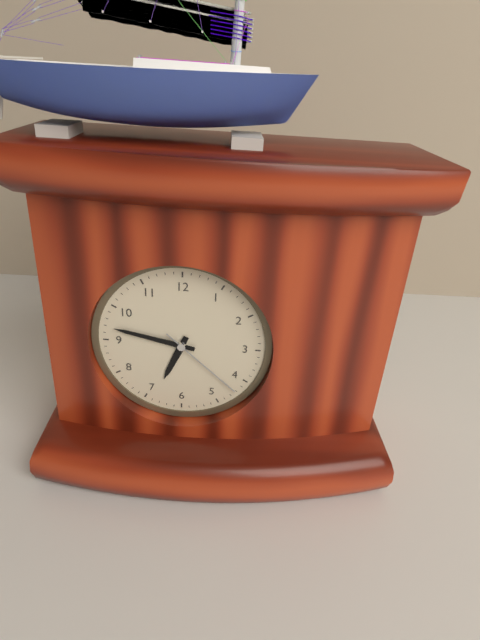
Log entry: **6:47:22**
